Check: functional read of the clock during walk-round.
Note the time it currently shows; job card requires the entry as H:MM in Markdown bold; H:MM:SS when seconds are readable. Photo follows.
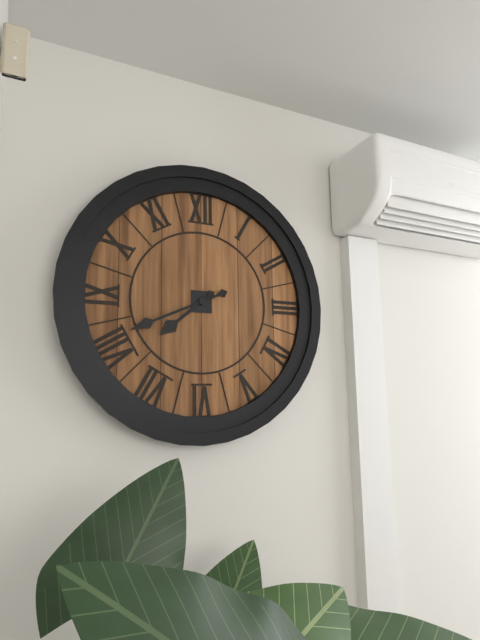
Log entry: **7:41**
